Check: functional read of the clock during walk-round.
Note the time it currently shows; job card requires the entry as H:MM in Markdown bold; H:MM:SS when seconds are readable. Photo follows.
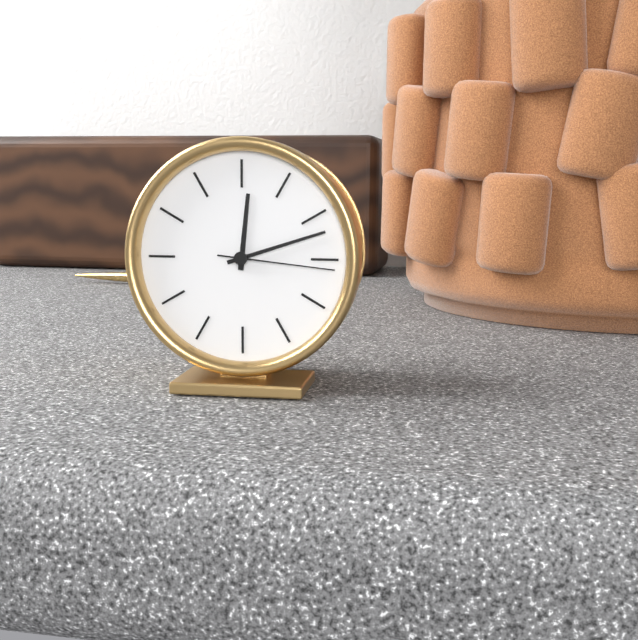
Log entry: **12:12:16**
